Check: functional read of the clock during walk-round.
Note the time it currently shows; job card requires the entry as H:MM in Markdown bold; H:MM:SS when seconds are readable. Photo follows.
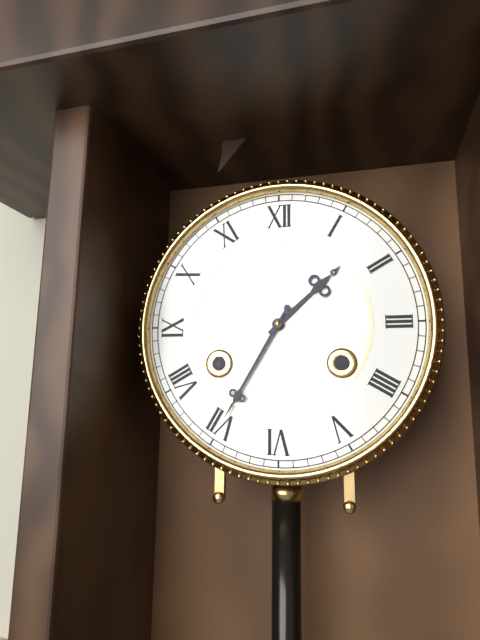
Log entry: **1:35**
